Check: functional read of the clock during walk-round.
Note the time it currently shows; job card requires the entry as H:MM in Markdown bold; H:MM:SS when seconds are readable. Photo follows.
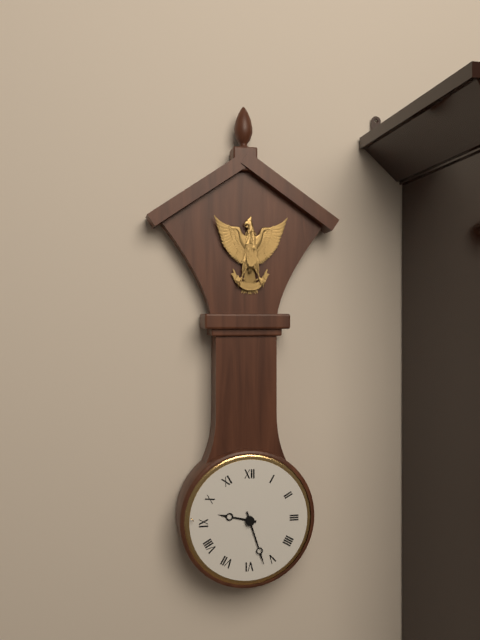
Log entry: **9:27**
